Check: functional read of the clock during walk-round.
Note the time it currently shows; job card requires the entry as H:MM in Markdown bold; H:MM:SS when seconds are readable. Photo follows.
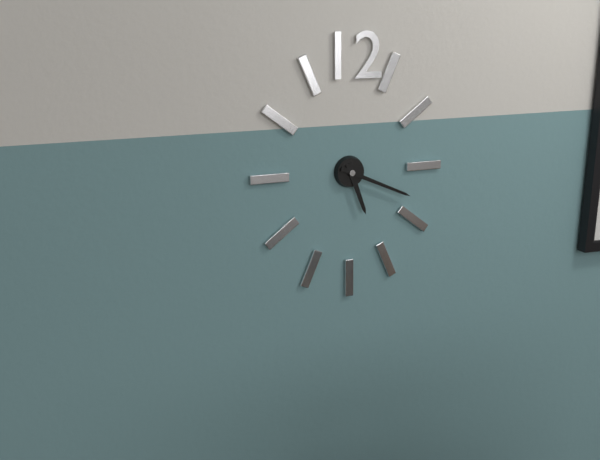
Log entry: **5:19**
